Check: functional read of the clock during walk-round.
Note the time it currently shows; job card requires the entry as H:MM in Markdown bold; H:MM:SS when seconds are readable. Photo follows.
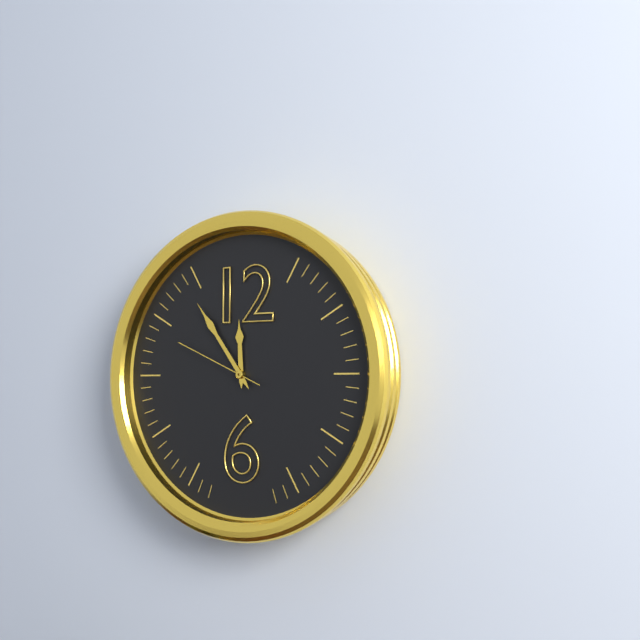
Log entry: **11:54:49**
